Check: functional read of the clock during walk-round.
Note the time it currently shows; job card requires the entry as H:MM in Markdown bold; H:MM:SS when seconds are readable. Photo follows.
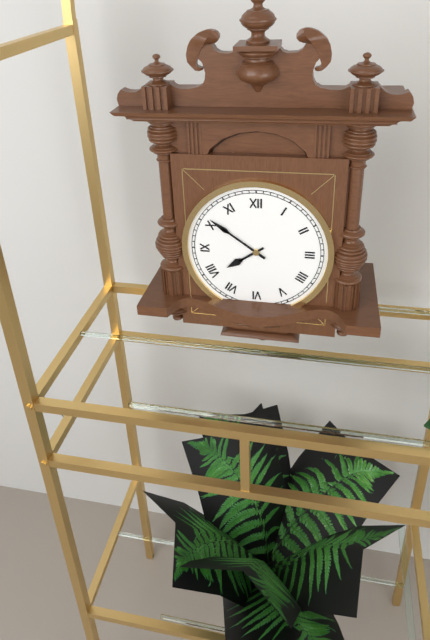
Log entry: **7:51**
